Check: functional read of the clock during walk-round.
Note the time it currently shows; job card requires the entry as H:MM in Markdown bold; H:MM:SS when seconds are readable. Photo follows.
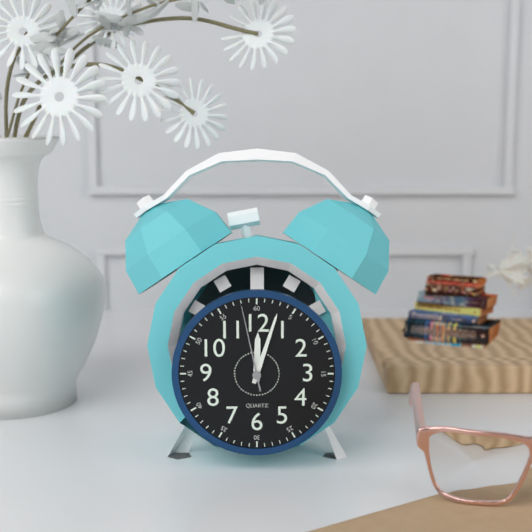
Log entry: **12:03:58**
